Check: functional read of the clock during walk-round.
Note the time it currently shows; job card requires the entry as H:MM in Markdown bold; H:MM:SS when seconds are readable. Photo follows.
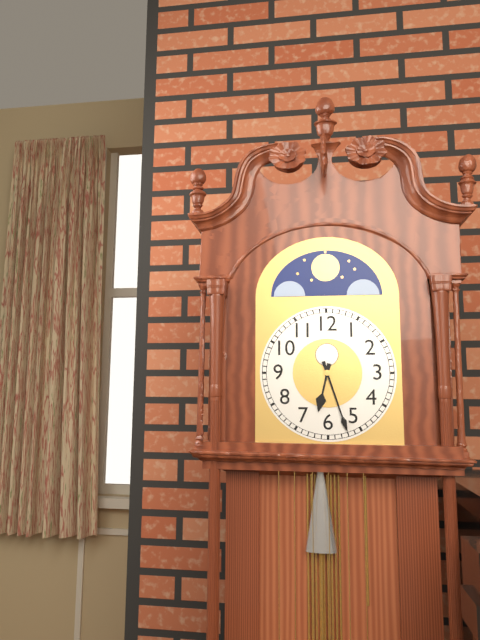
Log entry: **6:27**
